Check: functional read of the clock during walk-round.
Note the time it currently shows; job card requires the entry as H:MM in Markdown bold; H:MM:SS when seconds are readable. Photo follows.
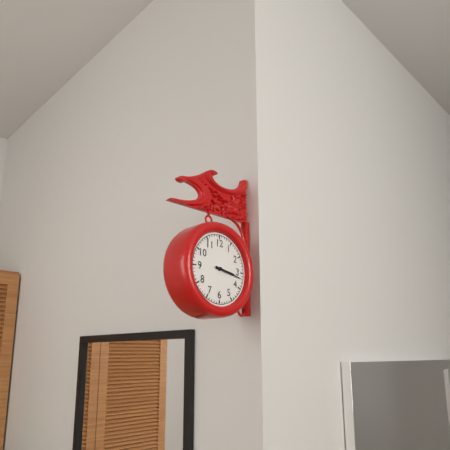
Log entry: **3:17**
